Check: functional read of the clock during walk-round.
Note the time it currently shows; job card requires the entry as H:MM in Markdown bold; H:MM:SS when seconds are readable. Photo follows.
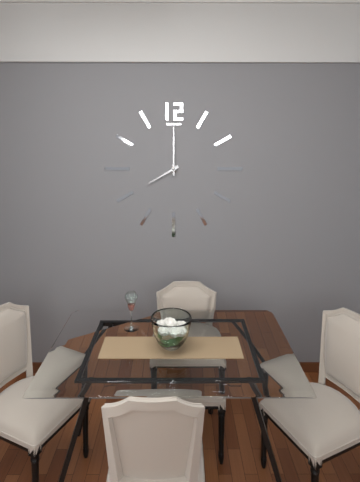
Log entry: **8:00**
